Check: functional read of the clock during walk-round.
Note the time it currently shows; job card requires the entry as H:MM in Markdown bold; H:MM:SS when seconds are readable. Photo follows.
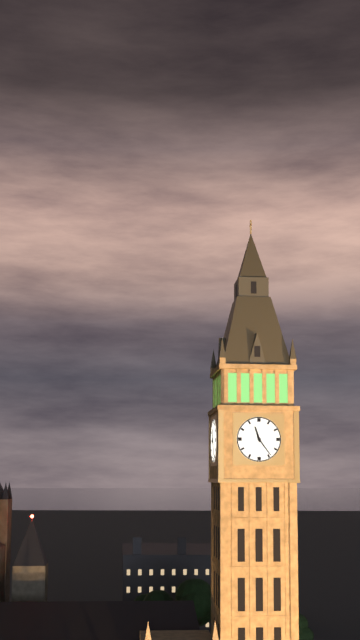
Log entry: **11:24**
